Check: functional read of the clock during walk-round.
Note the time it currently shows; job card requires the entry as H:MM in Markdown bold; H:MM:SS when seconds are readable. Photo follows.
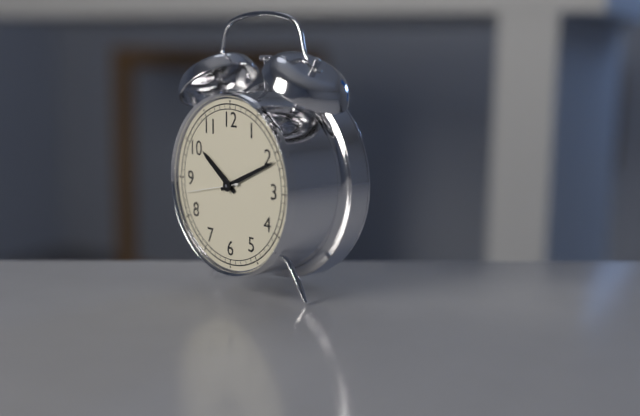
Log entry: **10:11:43**
